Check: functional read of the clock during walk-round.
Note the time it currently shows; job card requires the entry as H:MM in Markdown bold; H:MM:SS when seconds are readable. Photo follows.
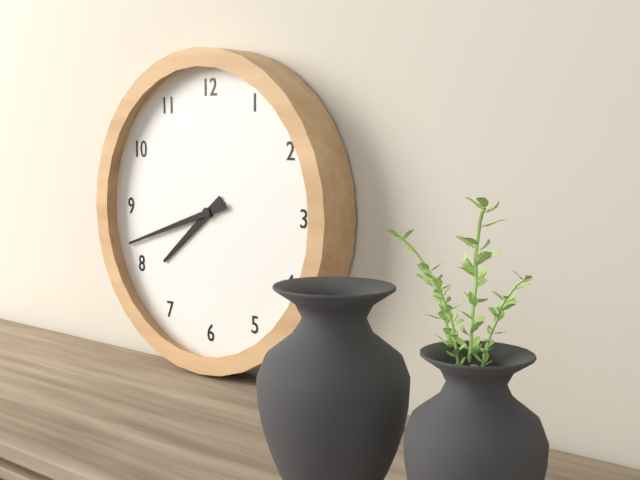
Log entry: **7:42**
